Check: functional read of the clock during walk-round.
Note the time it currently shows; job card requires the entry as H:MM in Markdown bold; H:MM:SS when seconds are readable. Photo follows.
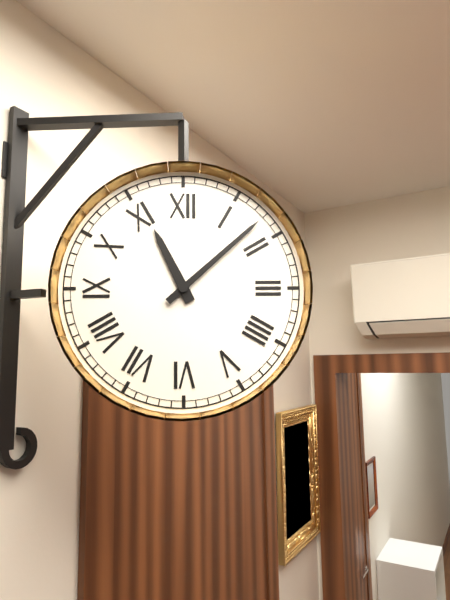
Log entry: **11:08**
